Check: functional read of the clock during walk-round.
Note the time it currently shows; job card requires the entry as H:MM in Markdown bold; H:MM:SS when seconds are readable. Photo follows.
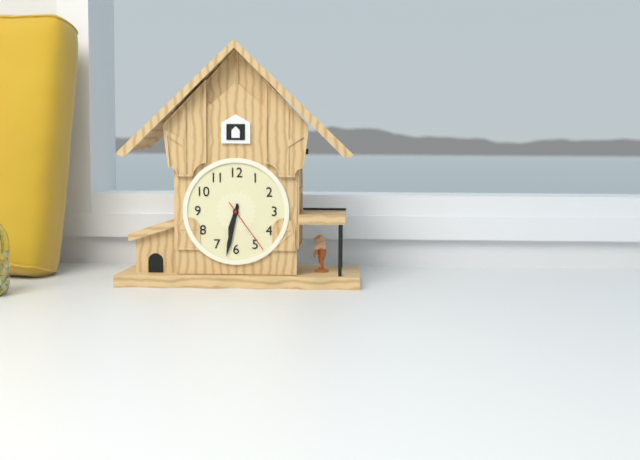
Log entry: **6:32:24**
